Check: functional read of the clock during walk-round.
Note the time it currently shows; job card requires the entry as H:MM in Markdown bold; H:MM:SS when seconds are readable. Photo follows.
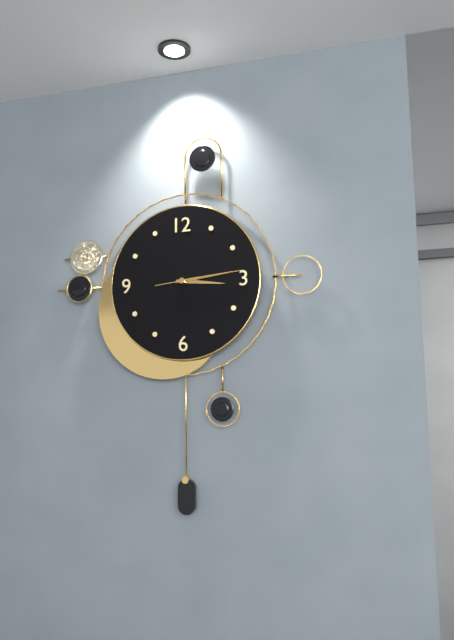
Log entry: **3:14:14**
